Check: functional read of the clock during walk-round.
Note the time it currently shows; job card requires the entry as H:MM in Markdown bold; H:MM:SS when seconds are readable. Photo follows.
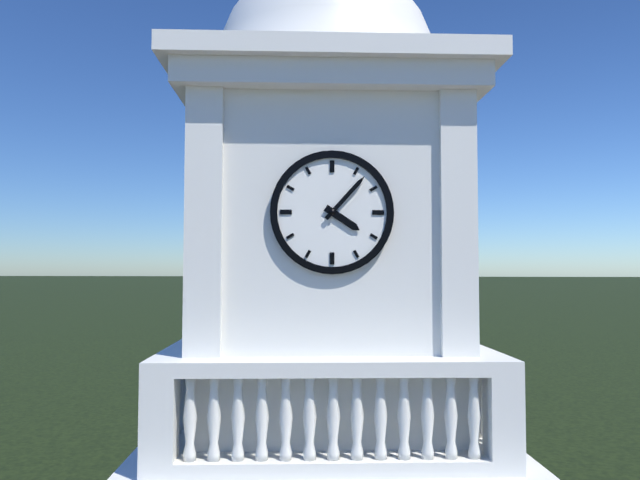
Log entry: **4:07**
